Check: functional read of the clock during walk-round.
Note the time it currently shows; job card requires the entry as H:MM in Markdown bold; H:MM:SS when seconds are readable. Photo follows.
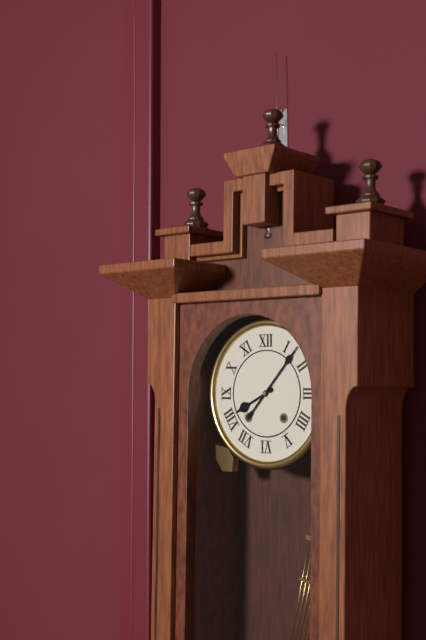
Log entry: **8:07**
